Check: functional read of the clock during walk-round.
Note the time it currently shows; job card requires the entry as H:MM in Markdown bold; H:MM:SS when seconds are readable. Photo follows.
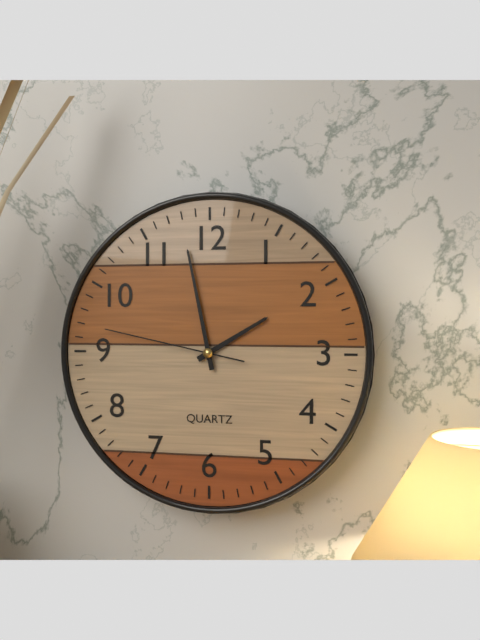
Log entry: **1:58:47**
